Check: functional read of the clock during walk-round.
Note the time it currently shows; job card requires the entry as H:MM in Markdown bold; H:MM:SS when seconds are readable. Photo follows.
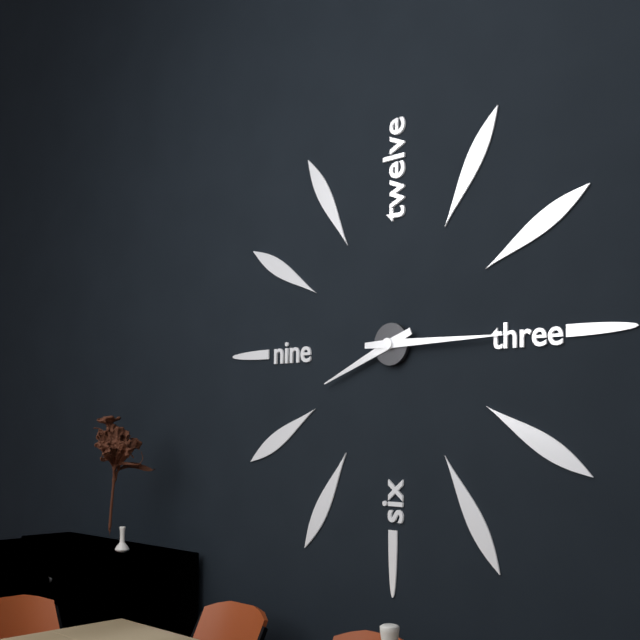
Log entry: **8:15**
